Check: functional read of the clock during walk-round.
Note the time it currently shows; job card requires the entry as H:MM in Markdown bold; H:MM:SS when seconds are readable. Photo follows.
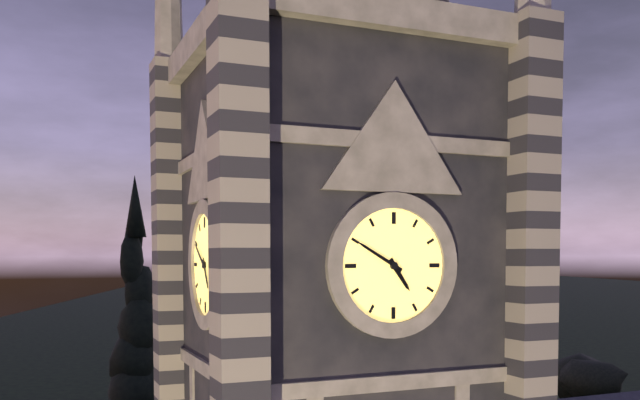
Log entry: **4:50**
